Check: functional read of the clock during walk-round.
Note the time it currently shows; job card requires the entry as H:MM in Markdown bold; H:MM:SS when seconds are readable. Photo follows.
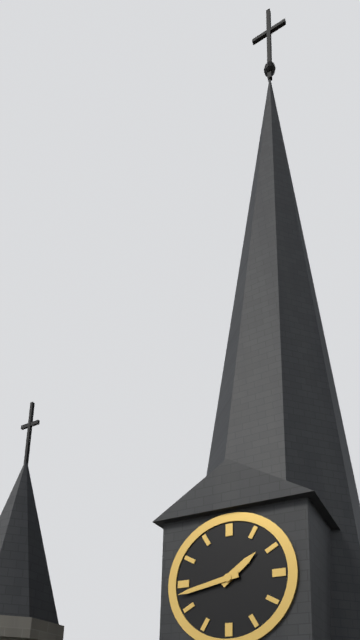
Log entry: **1:43**
